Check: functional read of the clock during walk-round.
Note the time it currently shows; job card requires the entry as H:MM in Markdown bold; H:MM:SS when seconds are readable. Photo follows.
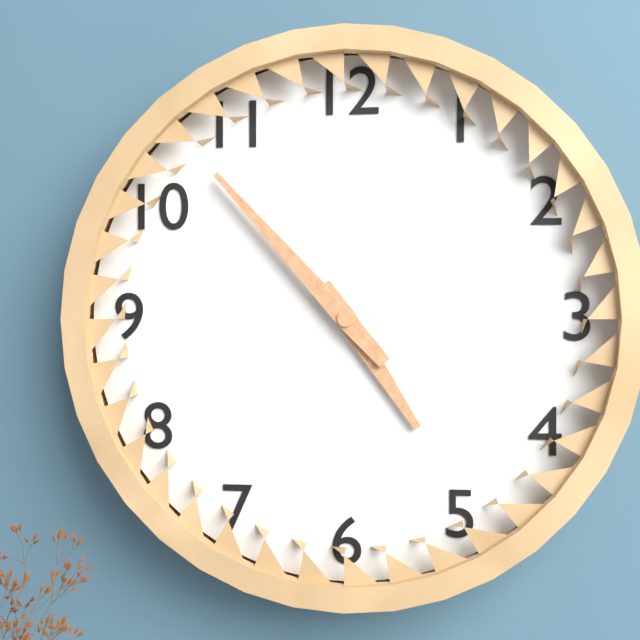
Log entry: **4:53**
